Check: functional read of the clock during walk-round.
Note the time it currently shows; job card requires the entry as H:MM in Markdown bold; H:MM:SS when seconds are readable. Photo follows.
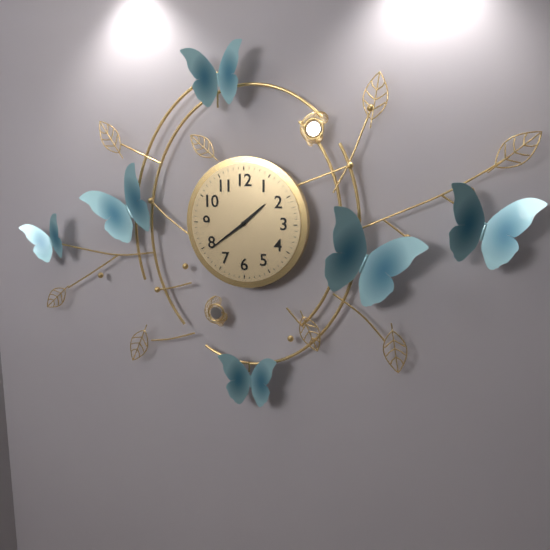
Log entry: **1:39**
